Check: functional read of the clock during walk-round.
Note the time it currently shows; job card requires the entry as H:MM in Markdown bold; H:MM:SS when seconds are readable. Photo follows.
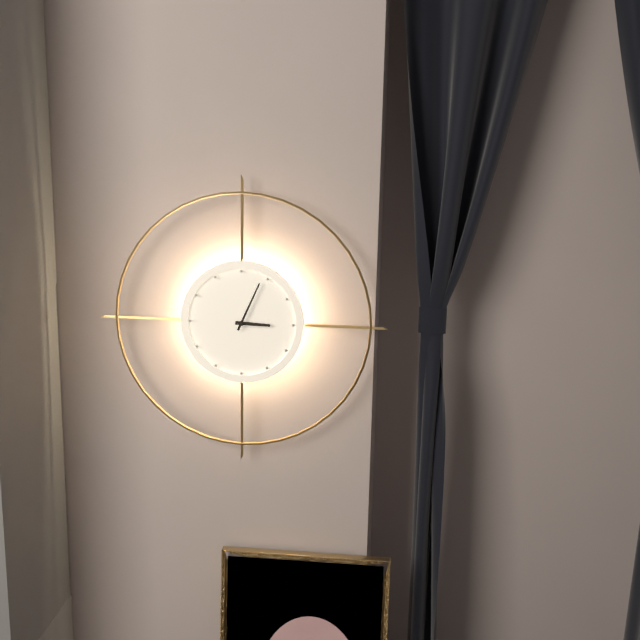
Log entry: **3:04**
